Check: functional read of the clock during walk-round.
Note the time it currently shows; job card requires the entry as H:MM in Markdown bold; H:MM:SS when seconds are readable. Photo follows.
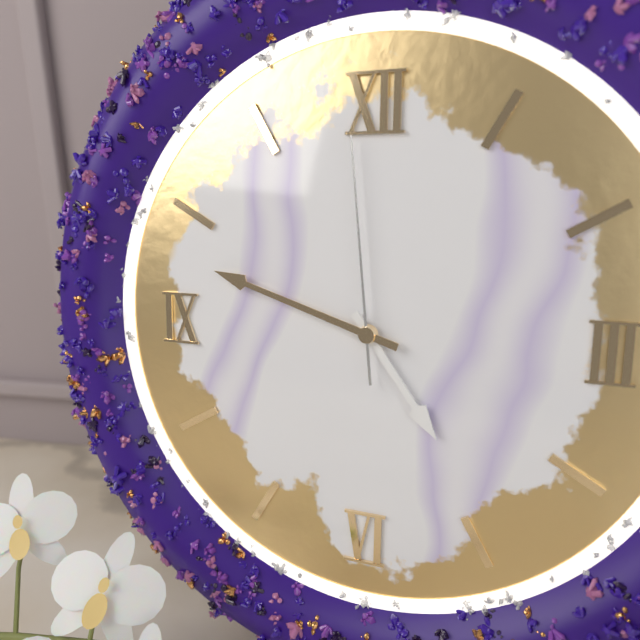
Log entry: **4:48:59**
